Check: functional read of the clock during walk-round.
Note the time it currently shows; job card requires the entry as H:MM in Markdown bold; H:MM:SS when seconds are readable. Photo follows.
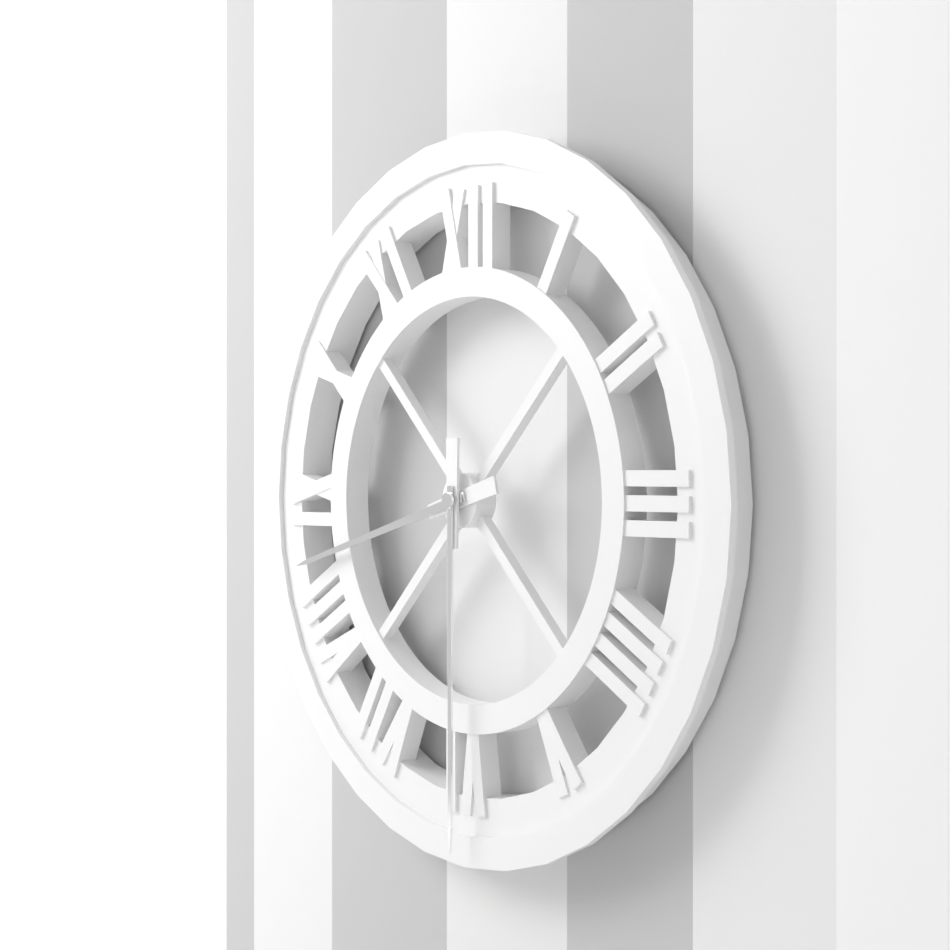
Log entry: **8:30**
